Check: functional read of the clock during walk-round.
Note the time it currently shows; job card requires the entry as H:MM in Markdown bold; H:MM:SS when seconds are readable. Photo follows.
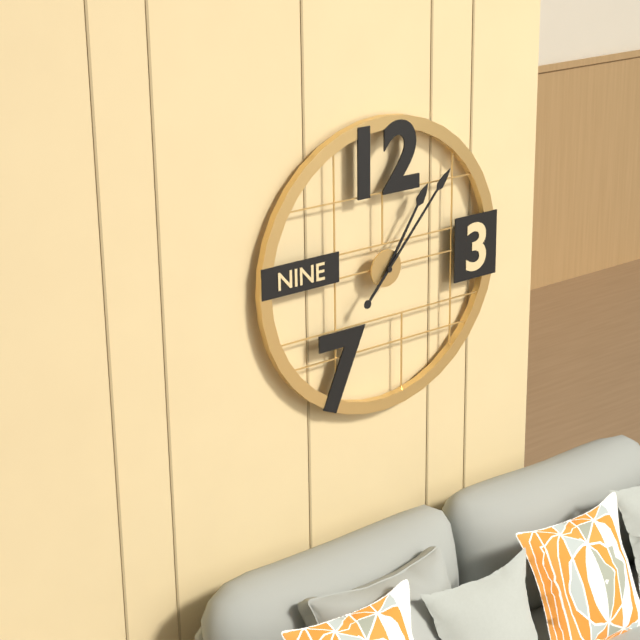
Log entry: **1:07**
